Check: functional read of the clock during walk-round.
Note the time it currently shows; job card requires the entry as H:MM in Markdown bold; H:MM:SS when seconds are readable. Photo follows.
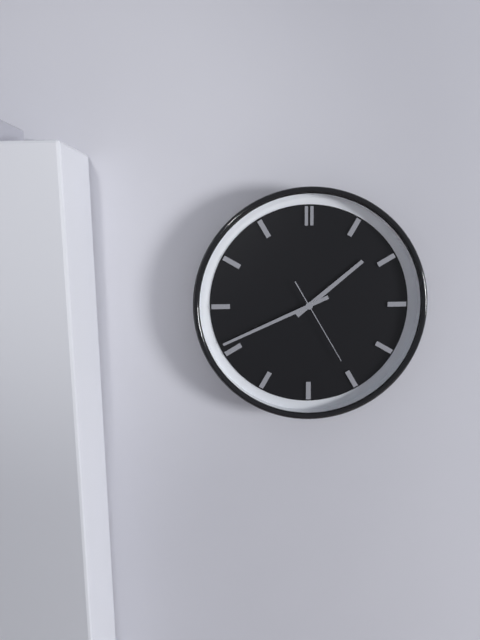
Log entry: **1:41:25**
